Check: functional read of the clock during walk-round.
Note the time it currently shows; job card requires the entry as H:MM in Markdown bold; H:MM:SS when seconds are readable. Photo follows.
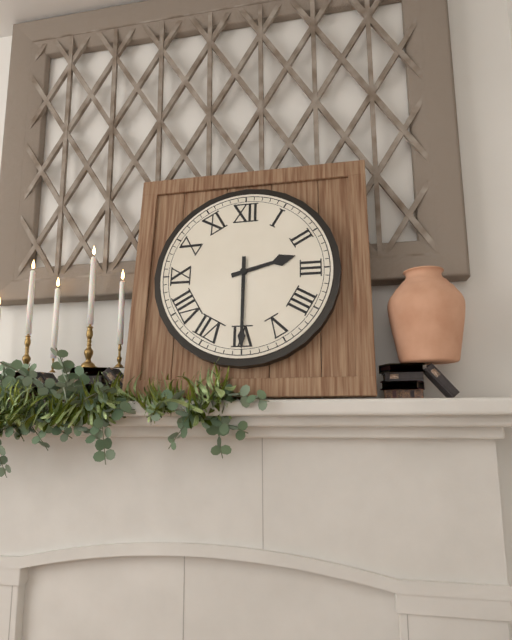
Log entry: **2:30**
